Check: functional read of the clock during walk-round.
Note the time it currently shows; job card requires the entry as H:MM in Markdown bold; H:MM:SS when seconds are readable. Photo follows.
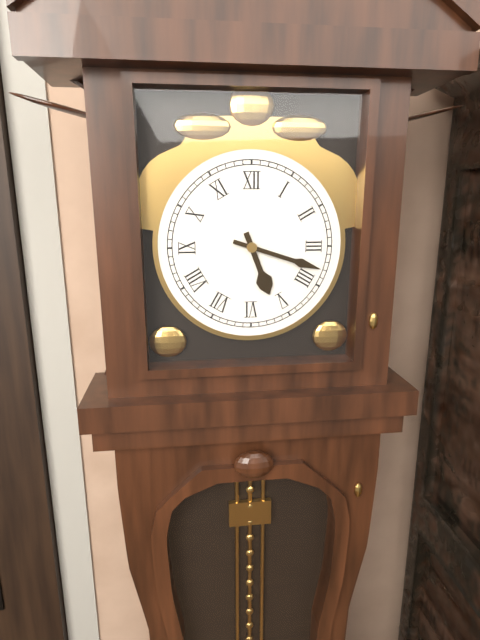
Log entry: **5:18**
